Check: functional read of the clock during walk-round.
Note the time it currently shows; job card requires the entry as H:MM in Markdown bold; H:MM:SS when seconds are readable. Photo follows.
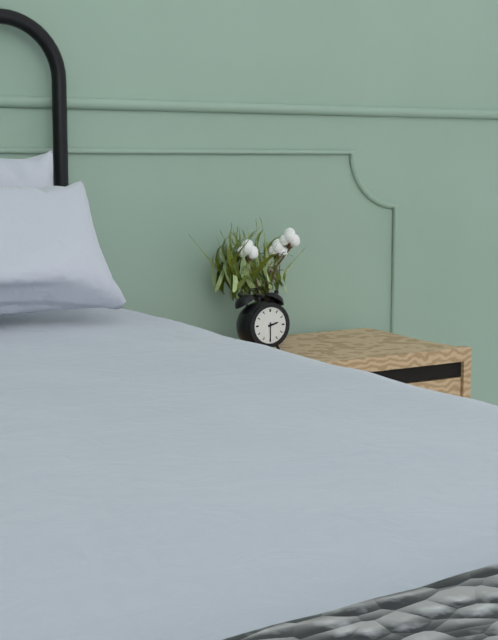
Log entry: **2:30**
